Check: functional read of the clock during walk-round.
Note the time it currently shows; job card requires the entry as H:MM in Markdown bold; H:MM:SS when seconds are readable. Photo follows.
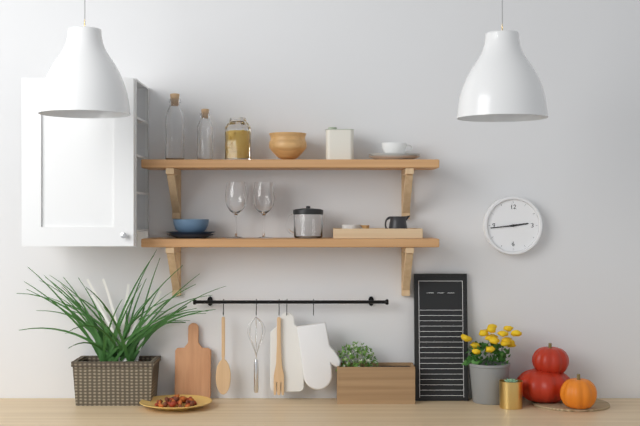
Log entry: **2:44**
